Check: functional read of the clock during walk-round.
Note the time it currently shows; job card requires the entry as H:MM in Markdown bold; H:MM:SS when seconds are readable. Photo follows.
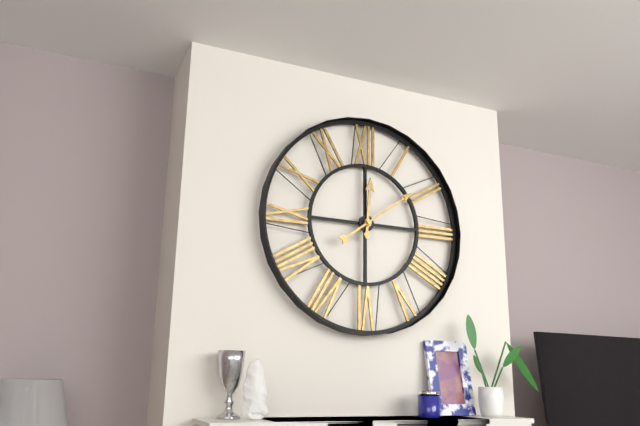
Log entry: **12:09**
